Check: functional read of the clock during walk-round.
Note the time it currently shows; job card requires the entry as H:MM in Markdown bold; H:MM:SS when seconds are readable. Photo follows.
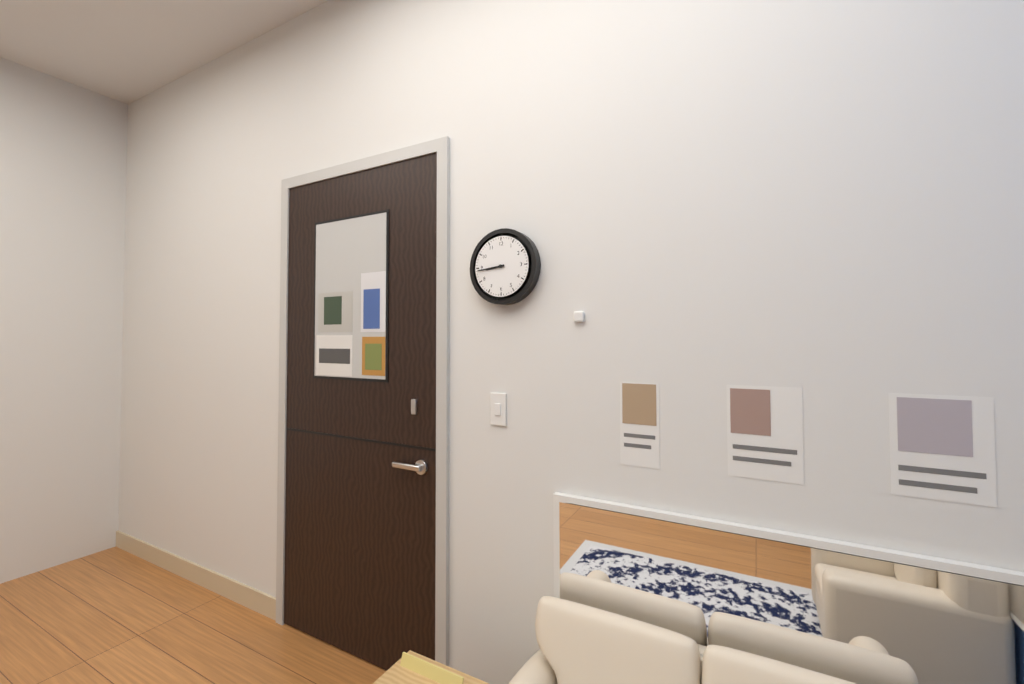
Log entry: **8:44**
